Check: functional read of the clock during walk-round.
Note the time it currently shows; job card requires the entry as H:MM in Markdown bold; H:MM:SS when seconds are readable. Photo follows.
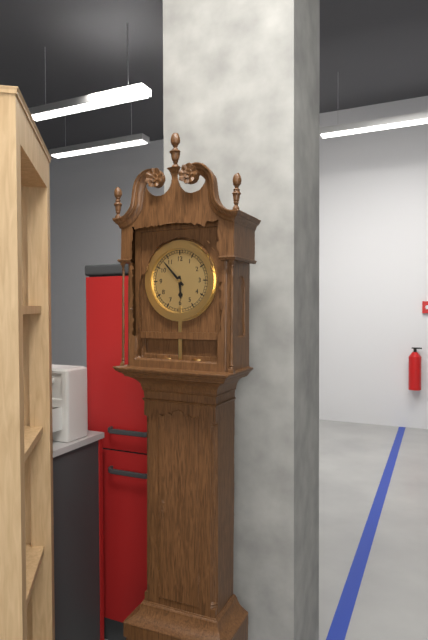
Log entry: **5:53**
